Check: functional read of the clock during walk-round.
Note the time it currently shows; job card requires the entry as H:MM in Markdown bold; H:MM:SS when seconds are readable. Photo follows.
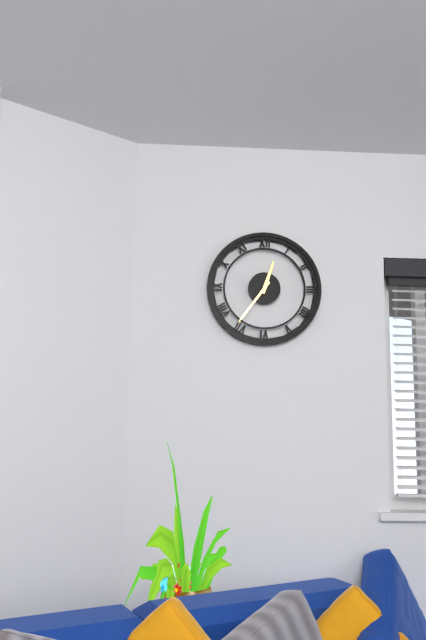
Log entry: **12:36**
